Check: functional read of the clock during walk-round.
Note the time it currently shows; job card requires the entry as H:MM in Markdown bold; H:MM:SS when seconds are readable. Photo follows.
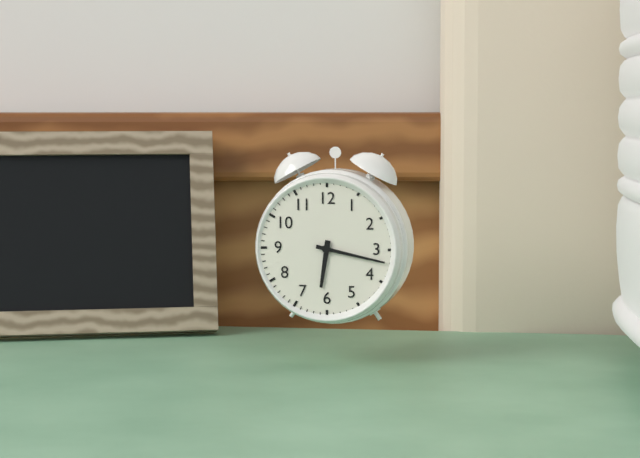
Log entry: **6:17**
